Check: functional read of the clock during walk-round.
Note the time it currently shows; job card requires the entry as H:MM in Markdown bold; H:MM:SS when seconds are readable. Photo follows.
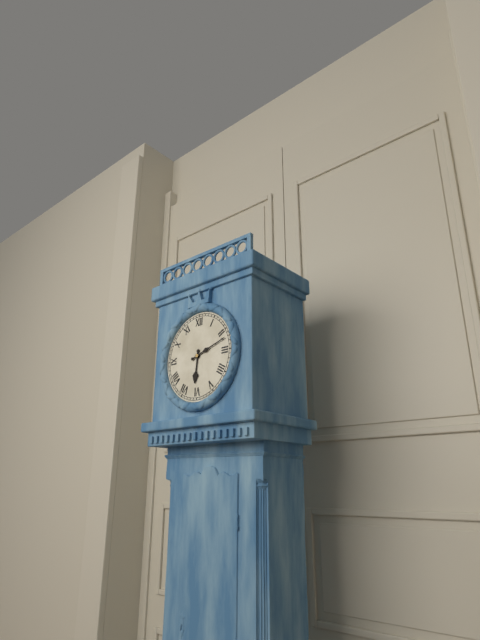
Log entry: **6:12**
